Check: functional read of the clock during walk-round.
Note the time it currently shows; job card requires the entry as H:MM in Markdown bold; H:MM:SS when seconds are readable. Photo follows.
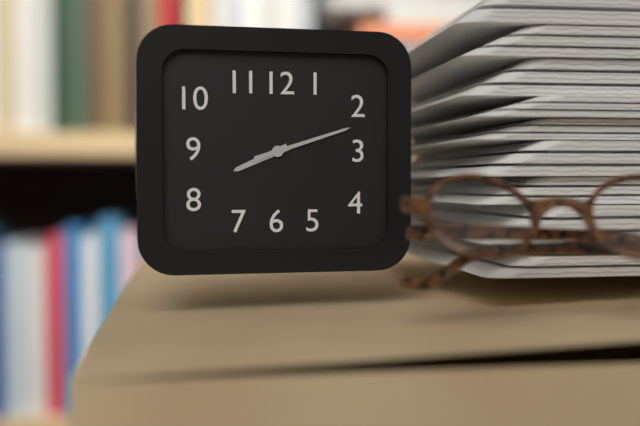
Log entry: **8:12**
